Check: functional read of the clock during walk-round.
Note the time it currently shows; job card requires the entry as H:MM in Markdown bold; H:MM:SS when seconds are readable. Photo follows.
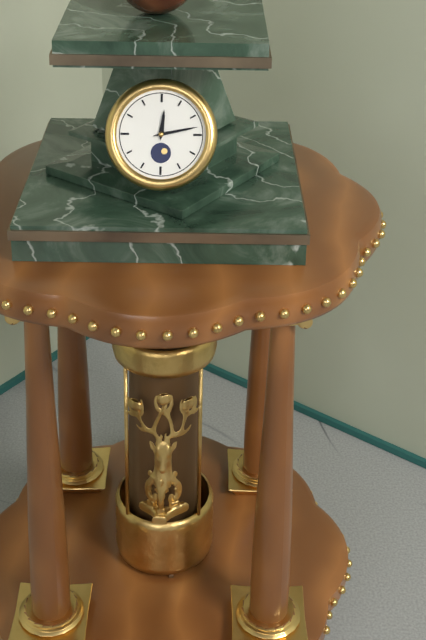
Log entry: **12:13**
